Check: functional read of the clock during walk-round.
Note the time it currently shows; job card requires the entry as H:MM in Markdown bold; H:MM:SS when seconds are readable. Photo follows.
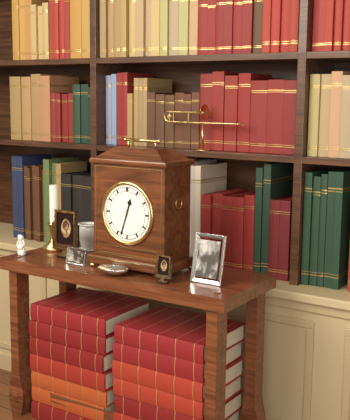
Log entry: **12:33**
